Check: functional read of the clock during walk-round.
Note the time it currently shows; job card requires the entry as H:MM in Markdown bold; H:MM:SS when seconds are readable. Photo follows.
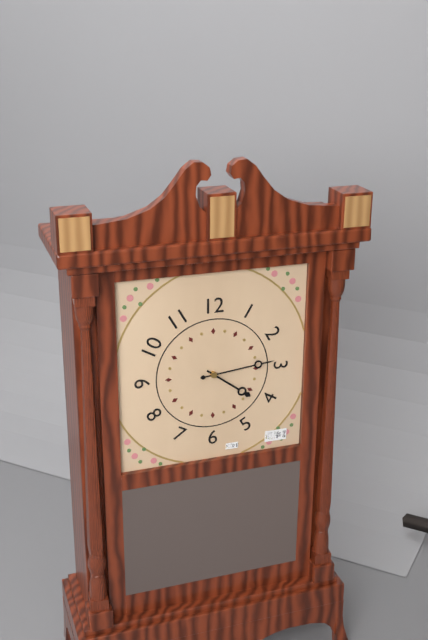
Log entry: **4:14**
